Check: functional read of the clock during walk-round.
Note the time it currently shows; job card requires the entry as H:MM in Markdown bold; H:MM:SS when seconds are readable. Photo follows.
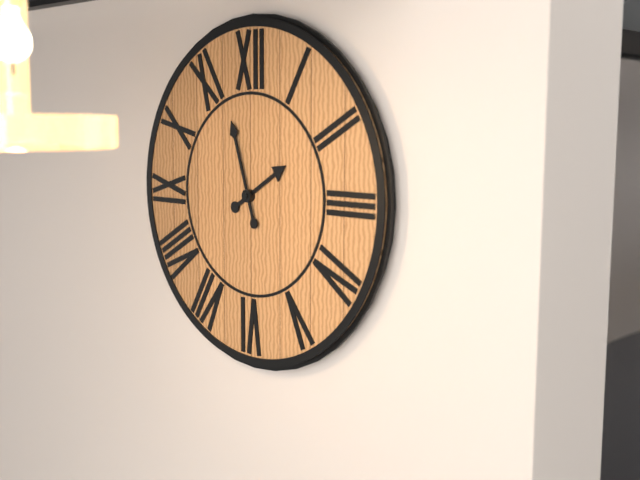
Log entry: **1:57**
